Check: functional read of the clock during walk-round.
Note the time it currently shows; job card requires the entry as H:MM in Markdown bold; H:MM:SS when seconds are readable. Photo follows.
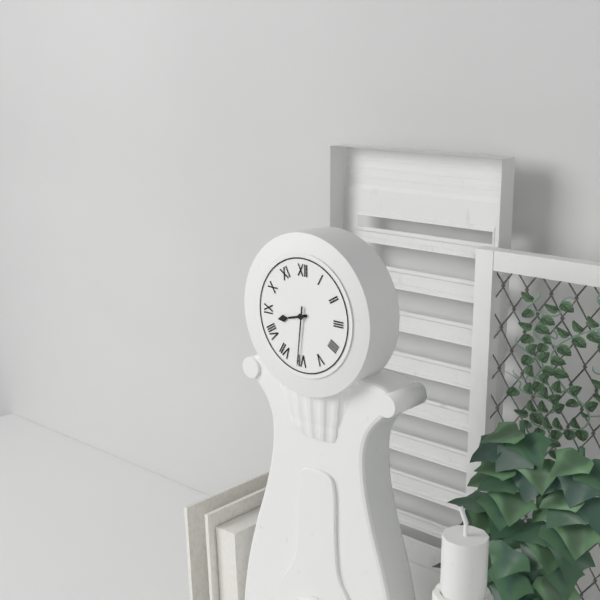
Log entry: **8:31**
